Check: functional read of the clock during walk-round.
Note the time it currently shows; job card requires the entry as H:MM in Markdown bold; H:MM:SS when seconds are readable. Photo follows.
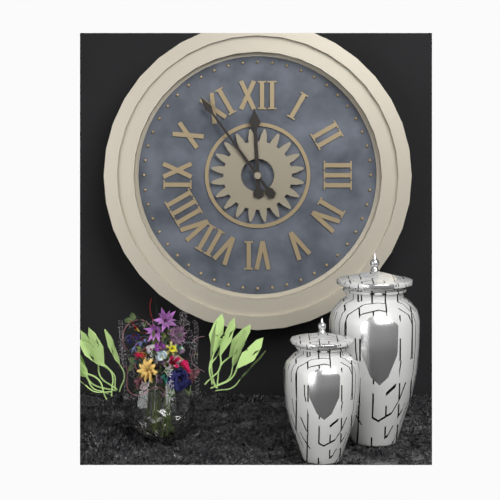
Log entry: **11:54**
